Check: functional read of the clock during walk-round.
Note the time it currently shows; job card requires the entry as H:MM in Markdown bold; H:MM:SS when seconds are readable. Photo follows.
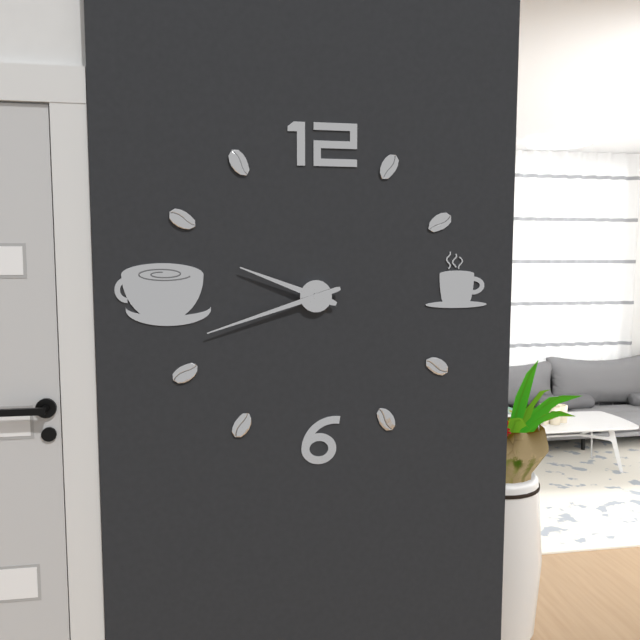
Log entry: **9:42**
